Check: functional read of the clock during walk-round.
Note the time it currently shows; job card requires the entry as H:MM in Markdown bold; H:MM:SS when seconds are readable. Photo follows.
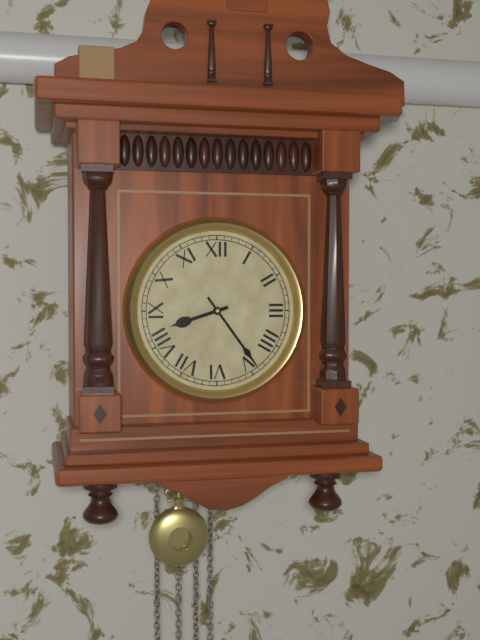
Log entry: **8:24**
